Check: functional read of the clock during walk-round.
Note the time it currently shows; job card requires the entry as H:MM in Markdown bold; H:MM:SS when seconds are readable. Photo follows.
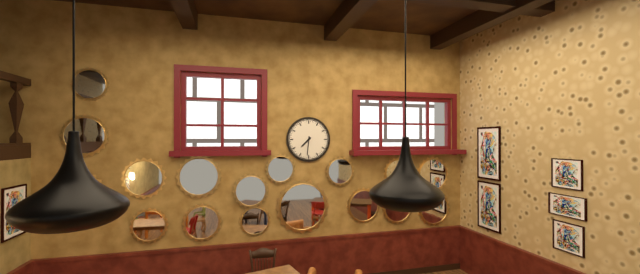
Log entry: **7:31**
